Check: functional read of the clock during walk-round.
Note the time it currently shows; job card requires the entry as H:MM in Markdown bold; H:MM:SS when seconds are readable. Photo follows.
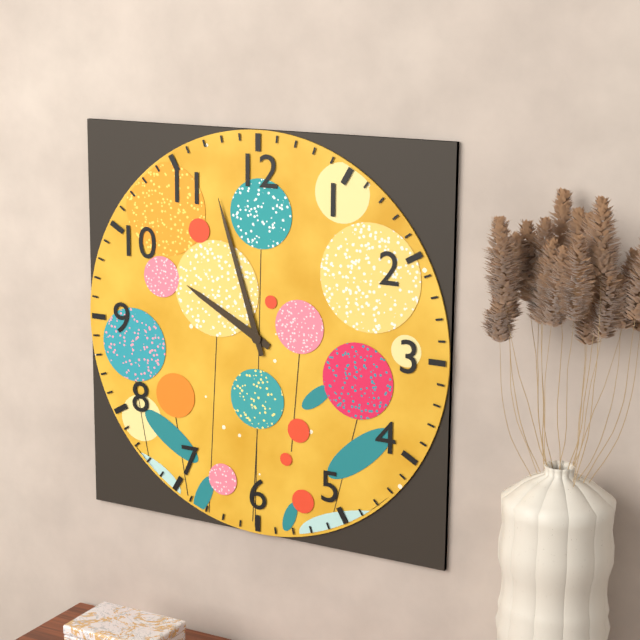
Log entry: **9:57**
